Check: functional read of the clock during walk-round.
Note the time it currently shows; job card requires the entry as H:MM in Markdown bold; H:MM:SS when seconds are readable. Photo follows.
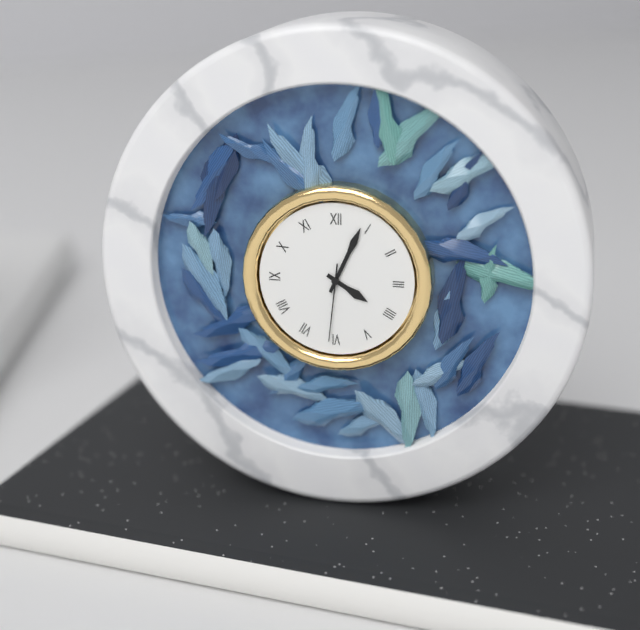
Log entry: **4:04:31**
